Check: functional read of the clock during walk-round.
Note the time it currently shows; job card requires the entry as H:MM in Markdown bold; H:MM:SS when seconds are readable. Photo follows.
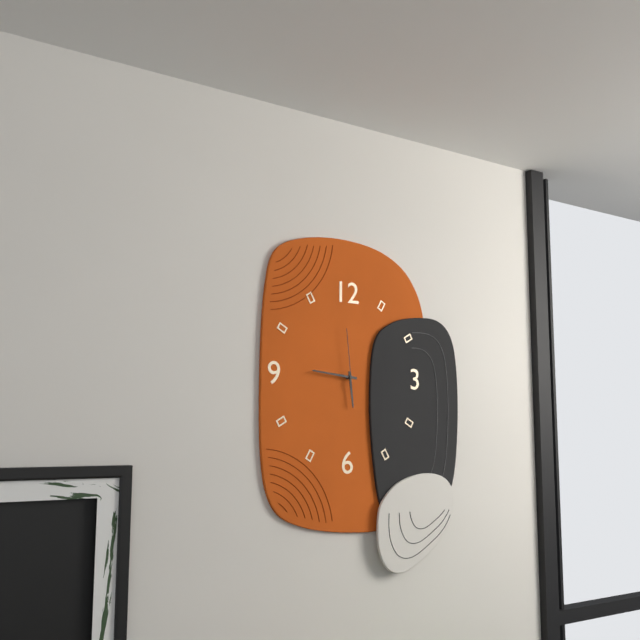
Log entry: **5:46:59**
